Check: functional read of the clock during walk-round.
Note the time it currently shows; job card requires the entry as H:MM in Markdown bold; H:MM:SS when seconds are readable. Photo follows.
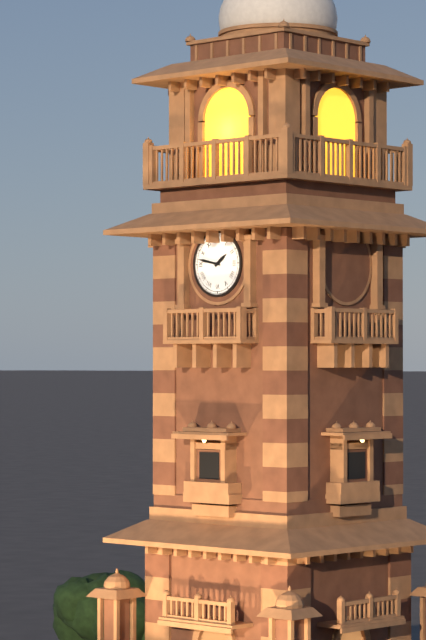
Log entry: **1:47**
